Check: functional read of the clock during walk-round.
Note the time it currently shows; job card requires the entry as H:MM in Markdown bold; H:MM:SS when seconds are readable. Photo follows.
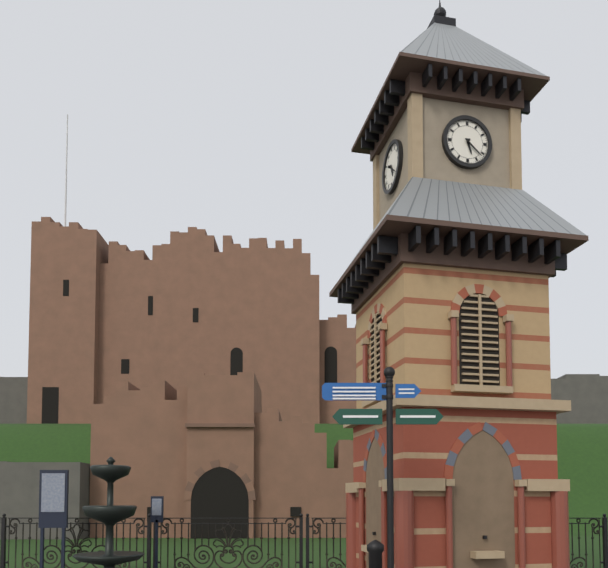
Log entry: **5:22**
